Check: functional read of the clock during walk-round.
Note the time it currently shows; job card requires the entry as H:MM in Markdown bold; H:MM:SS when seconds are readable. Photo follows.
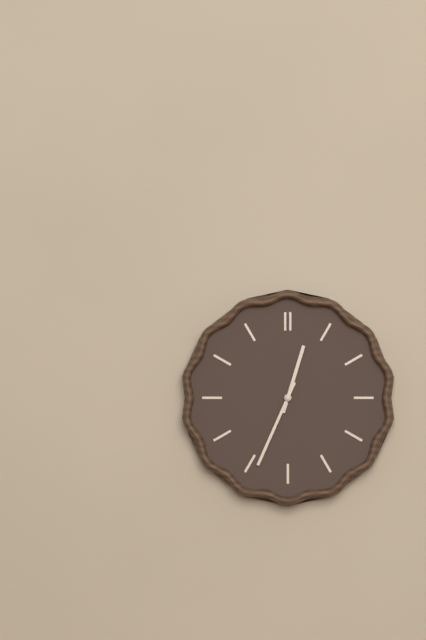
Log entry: **12:34**
